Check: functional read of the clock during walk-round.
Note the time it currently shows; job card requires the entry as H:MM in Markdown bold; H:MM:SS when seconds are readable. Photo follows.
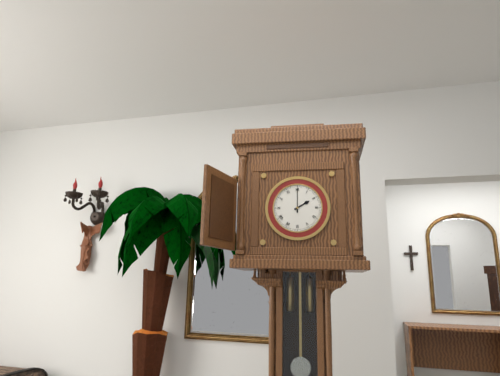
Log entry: **2:00**
